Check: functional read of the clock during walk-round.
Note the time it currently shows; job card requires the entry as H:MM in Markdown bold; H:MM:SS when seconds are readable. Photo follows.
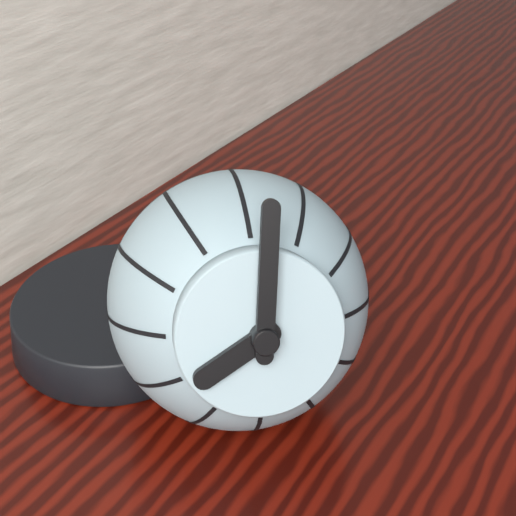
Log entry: **8:01**
